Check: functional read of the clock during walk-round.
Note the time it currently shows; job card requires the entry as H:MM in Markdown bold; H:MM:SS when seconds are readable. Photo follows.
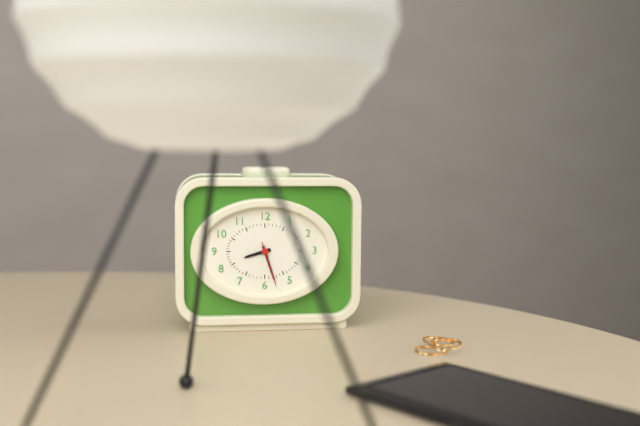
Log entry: **8:27**
